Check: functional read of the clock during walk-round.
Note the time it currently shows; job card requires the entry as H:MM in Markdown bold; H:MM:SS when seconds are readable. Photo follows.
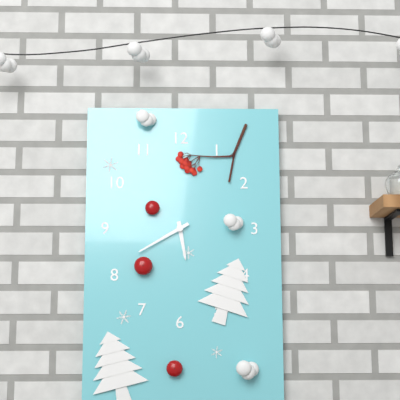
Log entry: **5:40**
